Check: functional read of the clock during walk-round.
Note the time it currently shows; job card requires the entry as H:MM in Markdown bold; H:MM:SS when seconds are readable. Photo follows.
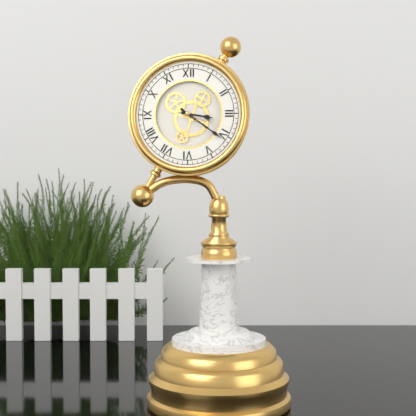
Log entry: **3:21**
